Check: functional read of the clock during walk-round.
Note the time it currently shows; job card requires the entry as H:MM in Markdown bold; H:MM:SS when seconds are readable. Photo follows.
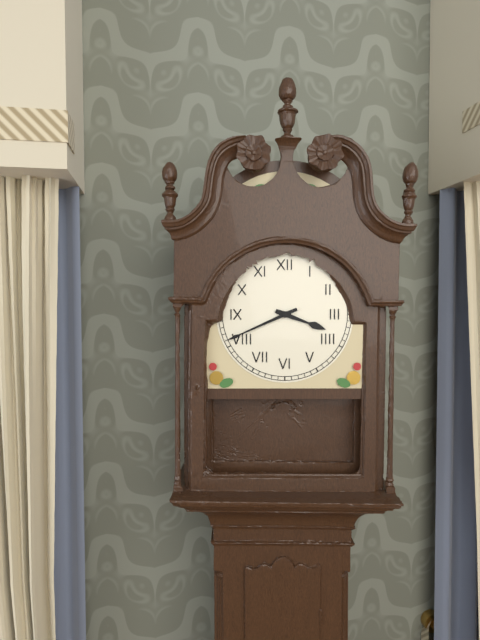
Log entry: **3:41**
